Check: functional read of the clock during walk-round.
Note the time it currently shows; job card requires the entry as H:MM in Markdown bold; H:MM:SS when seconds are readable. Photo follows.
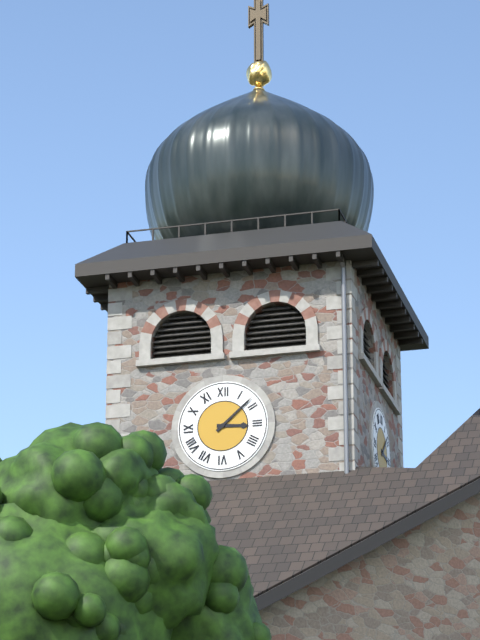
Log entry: **3:08**
